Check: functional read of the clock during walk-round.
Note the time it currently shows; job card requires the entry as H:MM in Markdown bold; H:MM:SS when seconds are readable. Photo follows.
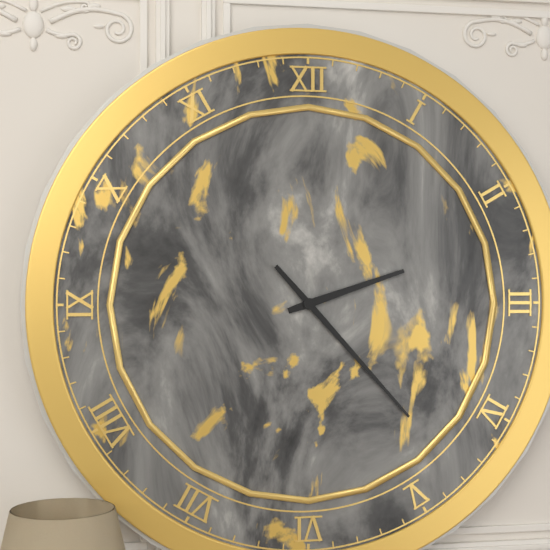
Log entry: **2:23**
